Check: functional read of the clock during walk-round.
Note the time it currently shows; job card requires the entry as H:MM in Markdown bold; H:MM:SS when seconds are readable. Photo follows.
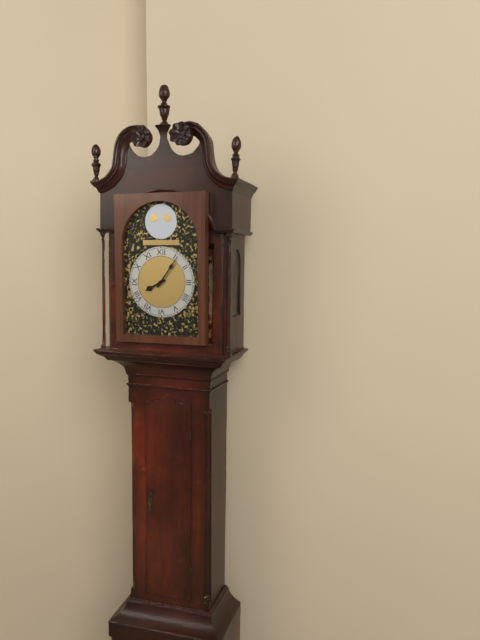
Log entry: **8:06**
